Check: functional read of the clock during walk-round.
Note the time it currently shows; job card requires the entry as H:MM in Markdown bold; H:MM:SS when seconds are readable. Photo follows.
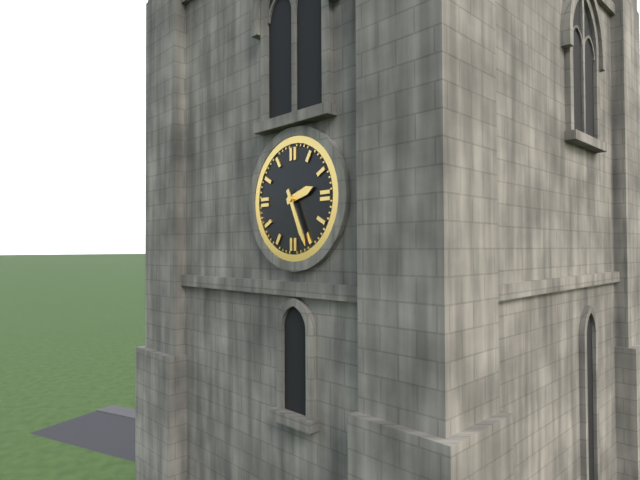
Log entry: **2:26**
